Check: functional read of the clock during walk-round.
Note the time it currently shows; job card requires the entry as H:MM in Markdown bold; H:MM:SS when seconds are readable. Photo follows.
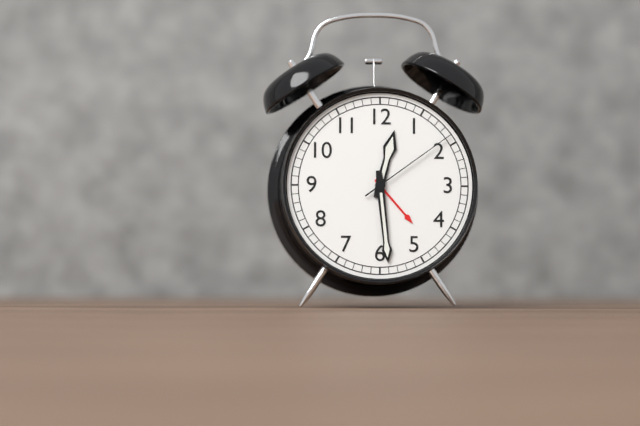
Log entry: **12:29:09**
